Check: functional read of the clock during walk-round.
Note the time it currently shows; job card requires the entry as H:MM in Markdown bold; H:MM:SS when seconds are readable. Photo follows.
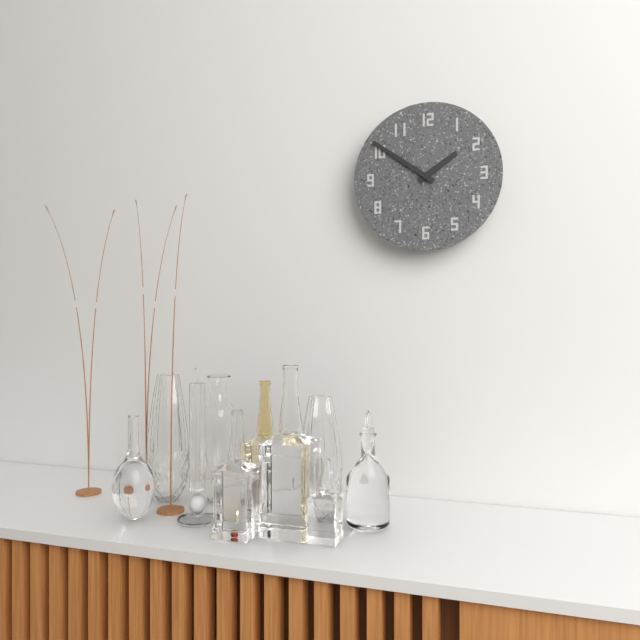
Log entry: **1:51**
